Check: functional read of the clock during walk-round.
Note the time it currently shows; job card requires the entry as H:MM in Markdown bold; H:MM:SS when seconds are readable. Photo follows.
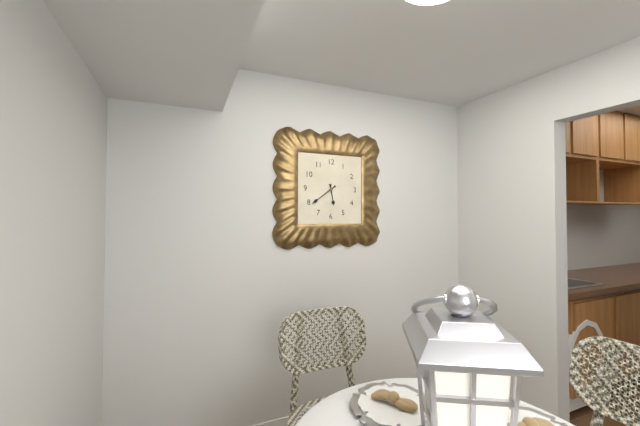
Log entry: **5:39**
